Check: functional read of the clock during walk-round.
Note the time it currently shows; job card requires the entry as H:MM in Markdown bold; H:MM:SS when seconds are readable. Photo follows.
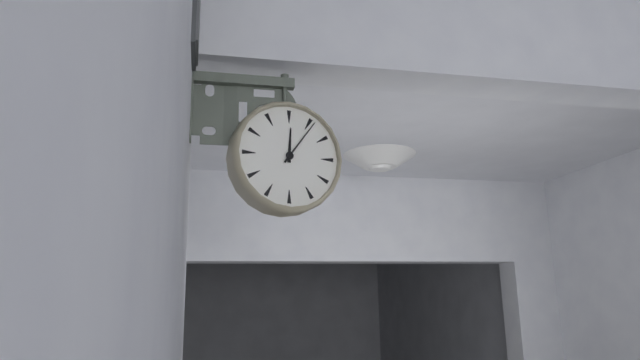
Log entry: **12:06**
